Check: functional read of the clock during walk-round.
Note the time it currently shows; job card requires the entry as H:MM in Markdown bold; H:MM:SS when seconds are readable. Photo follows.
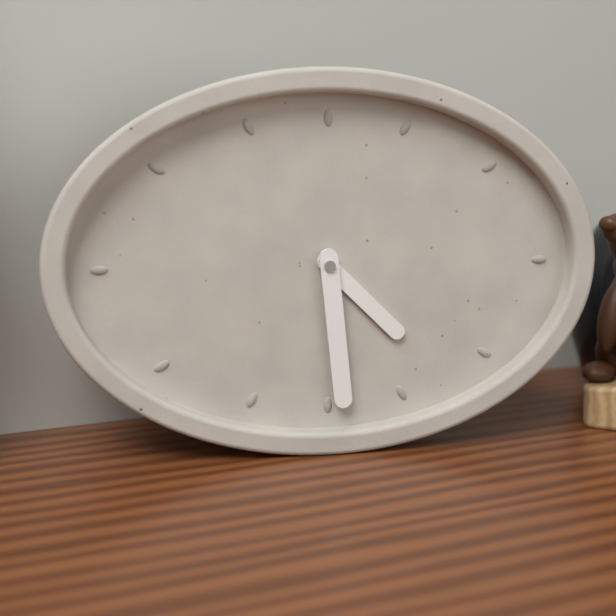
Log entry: **4:29**
